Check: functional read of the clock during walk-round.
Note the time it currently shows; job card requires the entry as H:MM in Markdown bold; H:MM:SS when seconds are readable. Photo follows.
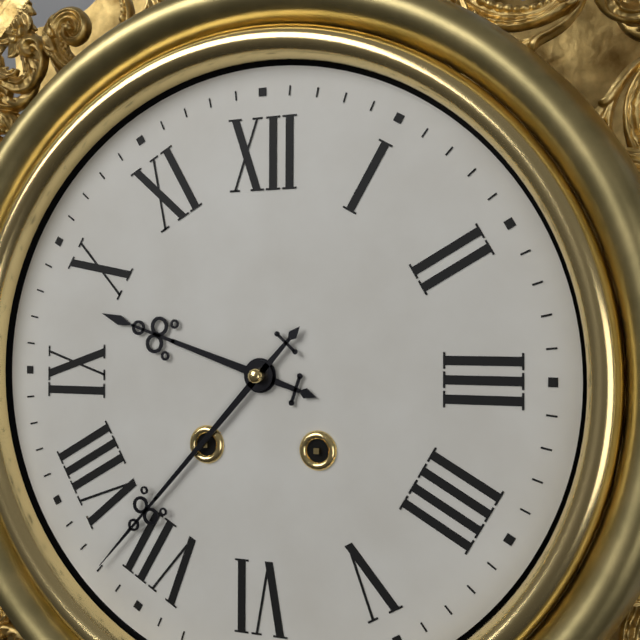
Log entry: **9:37**
